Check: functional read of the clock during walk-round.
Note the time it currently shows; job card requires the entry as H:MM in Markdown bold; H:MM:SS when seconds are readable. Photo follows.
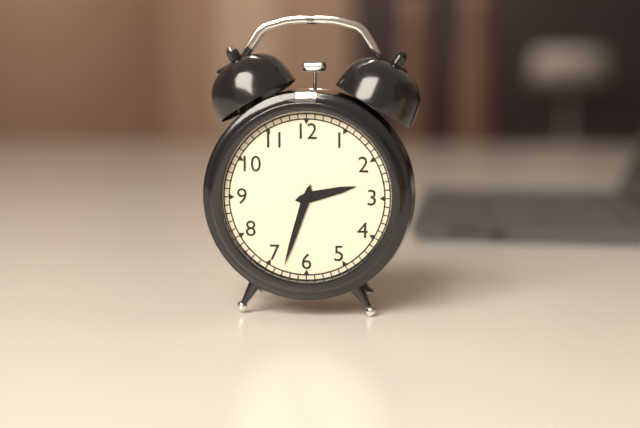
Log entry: **2:33**
